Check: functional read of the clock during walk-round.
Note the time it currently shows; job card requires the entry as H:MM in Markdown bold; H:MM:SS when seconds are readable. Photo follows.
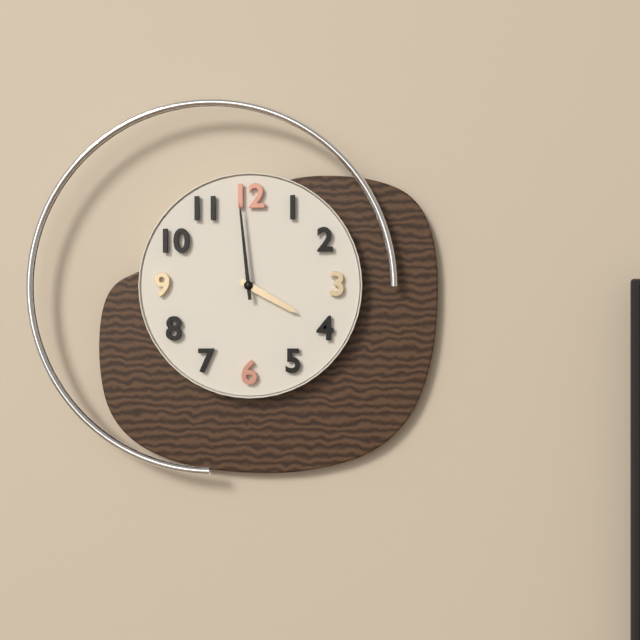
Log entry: **3:59**
